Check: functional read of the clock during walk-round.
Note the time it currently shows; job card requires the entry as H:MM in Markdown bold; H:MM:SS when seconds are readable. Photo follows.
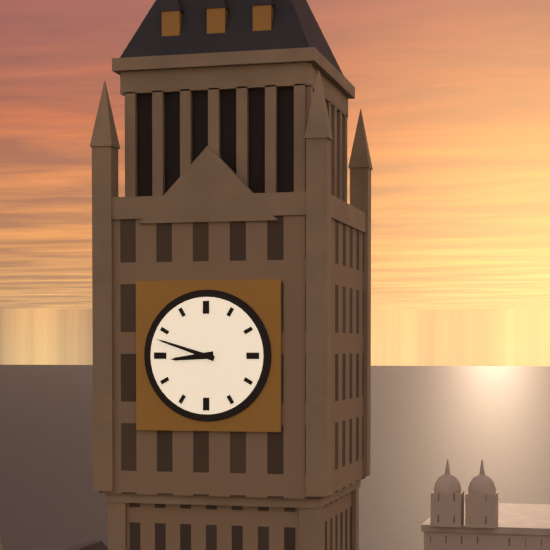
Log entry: **8:48**
